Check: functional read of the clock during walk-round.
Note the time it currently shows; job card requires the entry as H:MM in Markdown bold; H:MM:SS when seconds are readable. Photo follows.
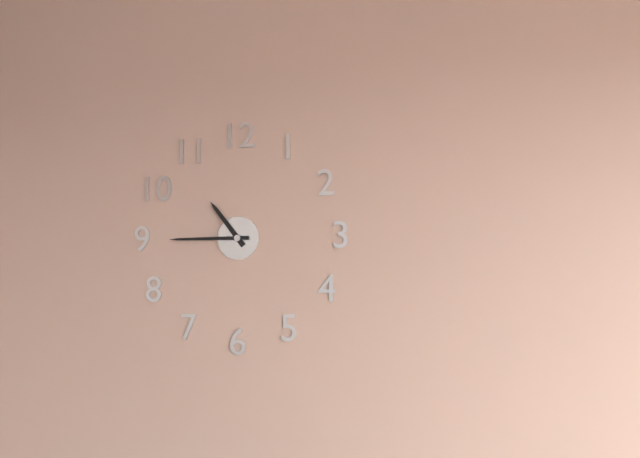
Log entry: **10:45**
